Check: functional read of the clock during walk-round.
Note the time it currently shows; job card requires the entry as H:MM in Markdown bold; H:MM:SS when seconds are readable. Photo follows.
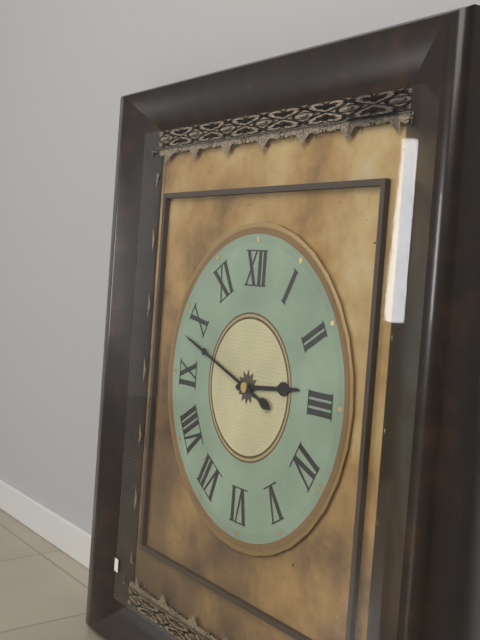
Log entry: **2:48**
